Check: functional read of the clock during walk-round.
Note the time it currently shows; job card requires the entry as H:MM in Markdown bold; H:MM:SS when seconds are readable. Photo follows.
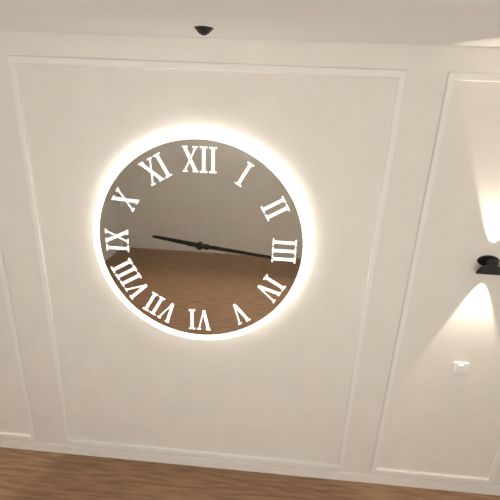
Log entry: **9:16**
